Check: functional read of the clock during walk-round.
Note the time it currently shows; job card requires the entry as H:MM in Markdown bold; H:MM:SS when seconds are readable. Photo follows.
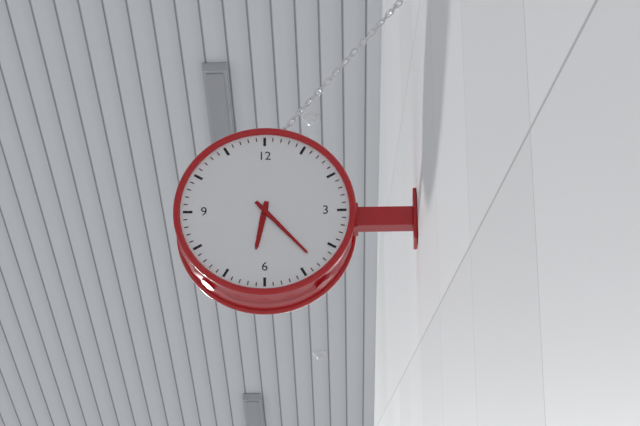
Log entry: **6:23**
